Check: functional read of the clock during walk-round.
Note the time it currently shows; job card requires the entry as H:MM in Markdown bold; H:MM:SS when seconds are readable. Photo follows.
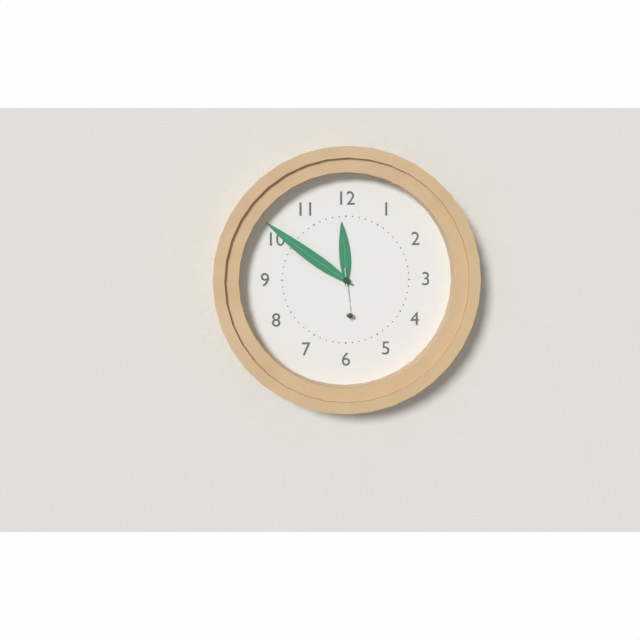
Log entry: **11:51:29**
